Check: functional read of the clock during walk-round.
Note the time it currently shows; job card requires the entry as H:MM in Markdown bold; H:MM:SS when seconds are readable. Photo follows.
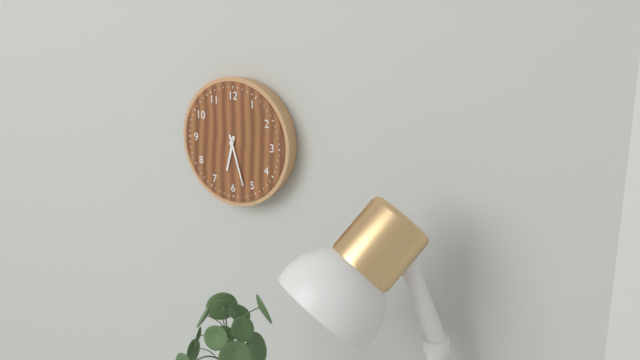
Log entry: **6:27**
